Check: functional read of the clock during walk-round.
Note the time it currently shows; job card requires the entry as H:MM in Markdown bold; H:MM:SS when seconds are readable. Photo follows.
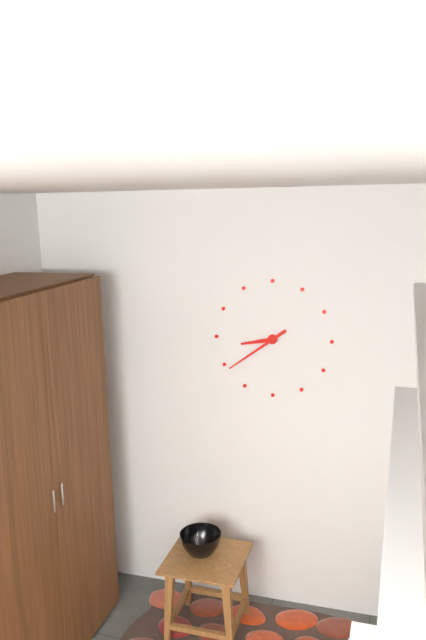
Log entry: **8:39**
